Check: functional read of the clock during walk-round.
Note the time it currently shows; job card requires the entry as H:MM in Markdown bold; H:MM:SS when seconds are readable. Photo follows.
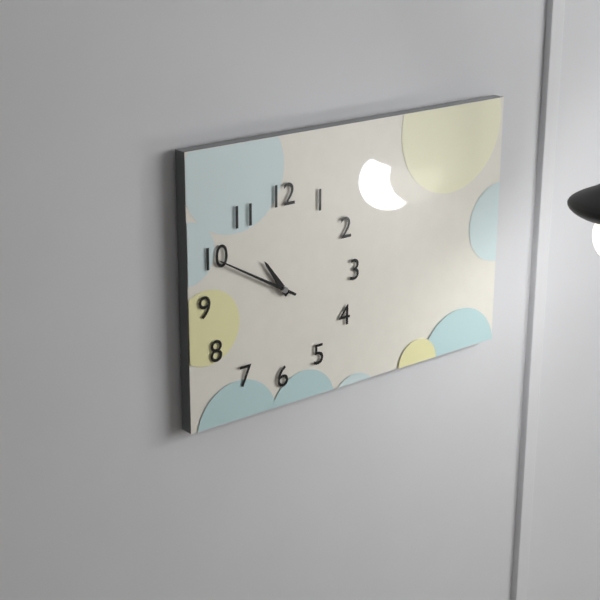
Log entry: **10:50**
